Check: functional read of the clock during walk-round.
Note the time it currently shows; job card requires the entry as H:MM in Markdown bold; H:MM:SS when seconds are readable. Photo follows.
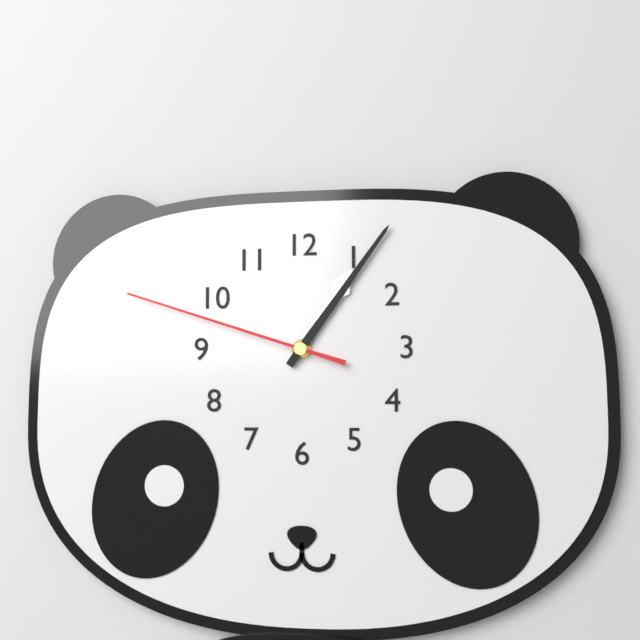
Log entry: **1:06:48**
